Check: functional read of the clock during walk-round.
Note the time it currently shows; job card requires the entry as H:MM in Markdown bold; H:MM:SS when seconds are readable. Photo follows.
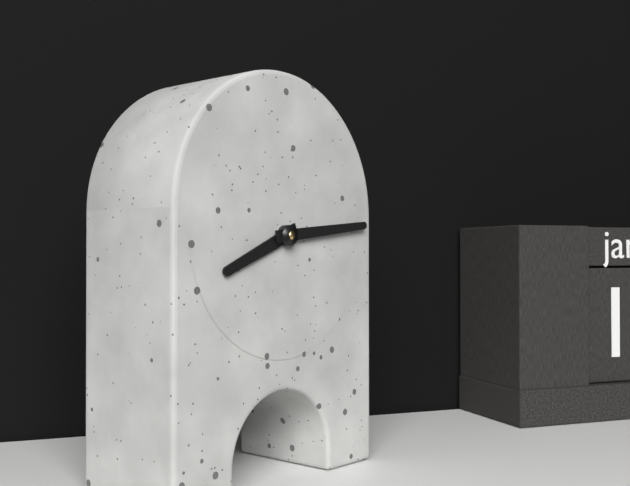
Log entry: **8:14**
